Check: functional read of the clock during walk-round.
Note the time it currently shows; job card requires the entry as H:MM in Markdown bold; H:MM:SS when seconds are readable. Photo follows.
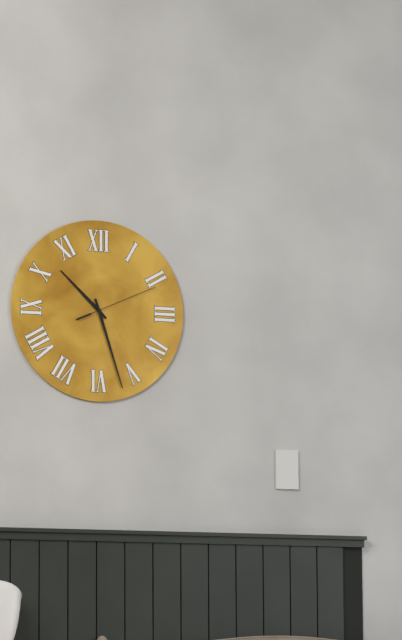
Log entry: **10:27:11**
